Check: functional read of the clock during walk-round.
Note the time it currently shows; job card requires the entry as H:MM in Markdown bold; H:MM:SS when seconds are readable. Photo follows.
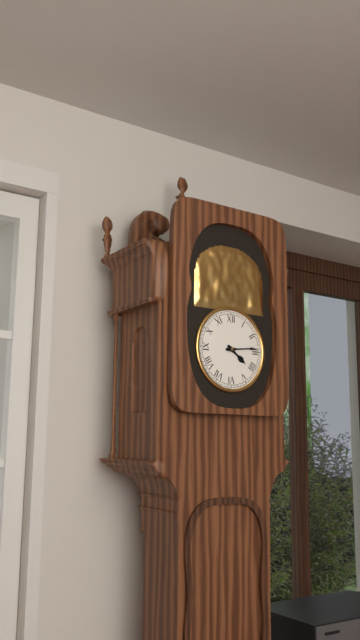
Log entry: **4:14**
